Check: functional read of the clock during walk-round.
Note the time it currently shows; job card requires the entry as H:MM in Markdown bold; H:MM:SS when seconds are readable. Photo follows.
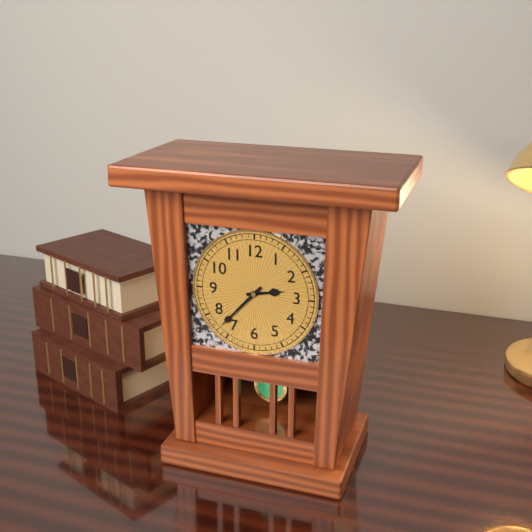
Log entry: **2:37**
